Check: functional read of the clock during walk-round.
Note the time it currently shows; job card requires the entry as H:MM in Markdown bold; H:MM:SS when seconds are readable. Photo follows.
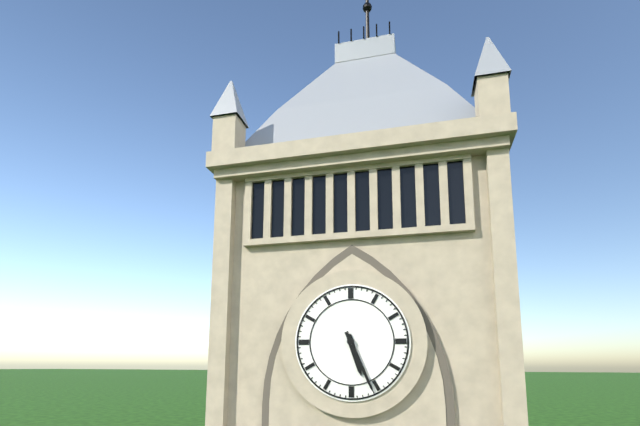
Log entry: **5:26**
